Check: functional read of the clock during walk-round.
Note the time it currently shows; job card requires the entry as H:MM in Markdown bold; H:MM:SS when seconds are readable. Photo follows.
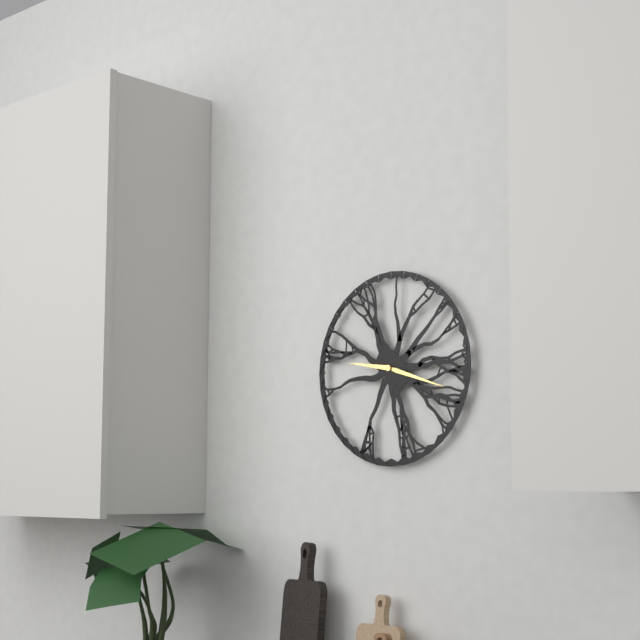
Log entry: **9:18**
